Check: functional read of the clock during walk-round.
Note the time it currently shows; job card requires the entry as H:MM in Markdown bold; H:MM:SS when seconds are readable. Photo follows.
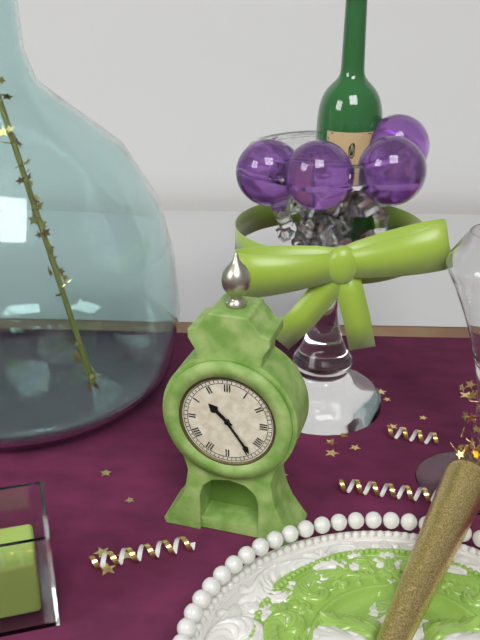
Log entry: **10:24**
